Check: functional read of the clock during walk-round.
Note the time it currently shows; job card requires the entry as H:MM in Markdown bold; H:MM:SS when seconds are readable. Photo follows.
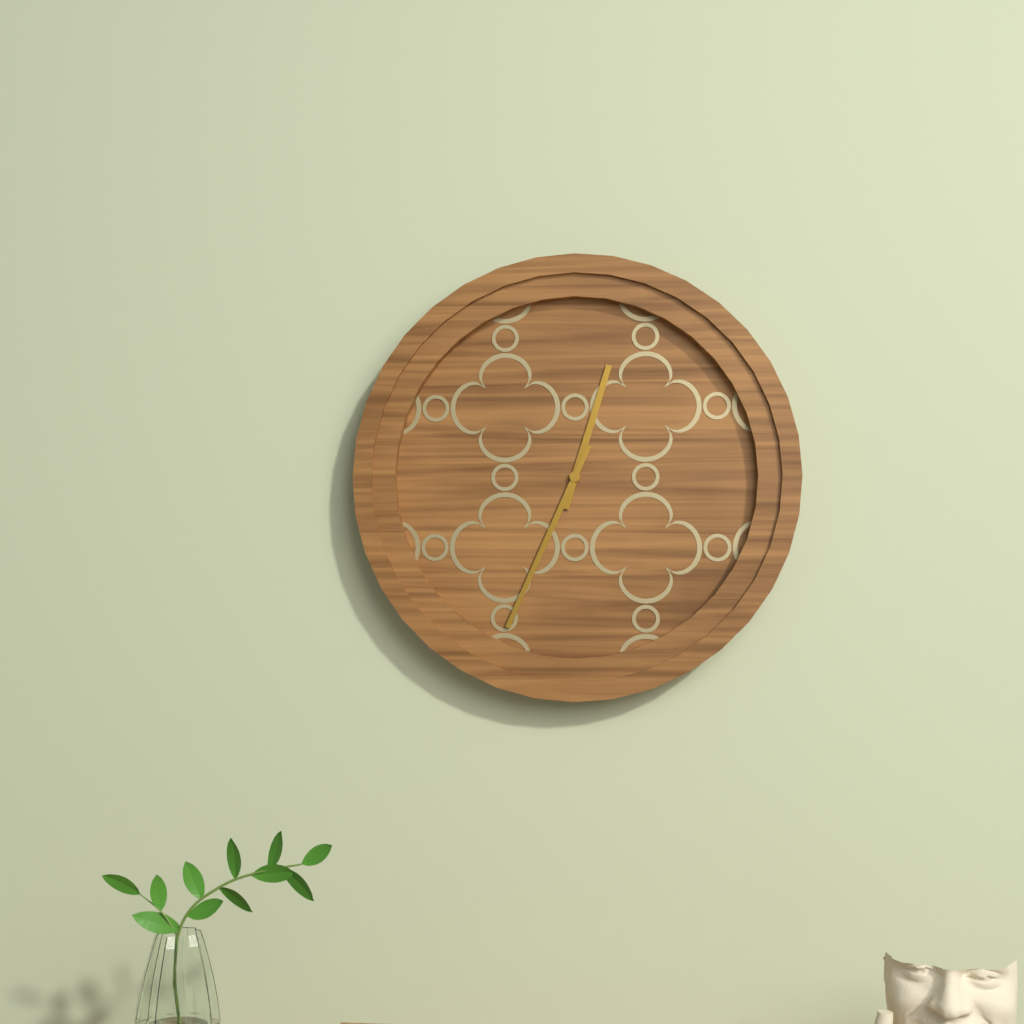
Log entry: **12:34**
